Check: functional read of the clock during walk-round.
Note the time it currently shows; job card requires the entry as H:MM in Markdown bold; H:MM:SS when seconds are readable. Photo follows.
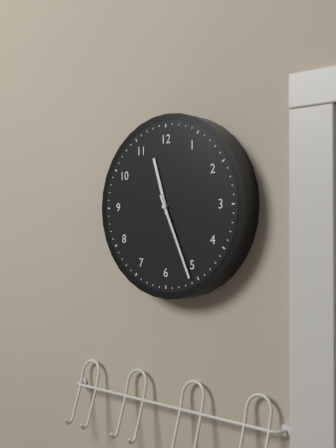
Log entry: **11:26**
